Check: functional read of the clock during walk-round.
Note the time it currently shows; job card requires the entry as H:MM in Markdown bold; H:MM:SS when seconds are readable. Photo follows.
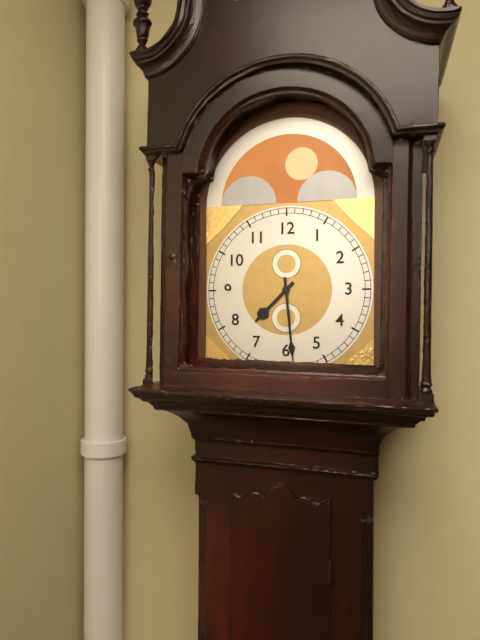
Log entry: **7:29**
